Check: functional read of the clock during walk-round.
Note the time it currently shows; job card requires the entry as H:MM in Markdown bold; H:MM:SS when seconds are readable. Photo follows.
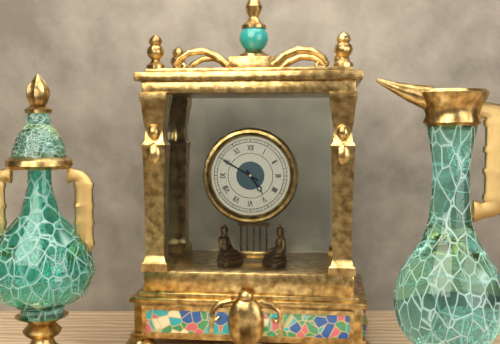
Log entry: **4:50**
